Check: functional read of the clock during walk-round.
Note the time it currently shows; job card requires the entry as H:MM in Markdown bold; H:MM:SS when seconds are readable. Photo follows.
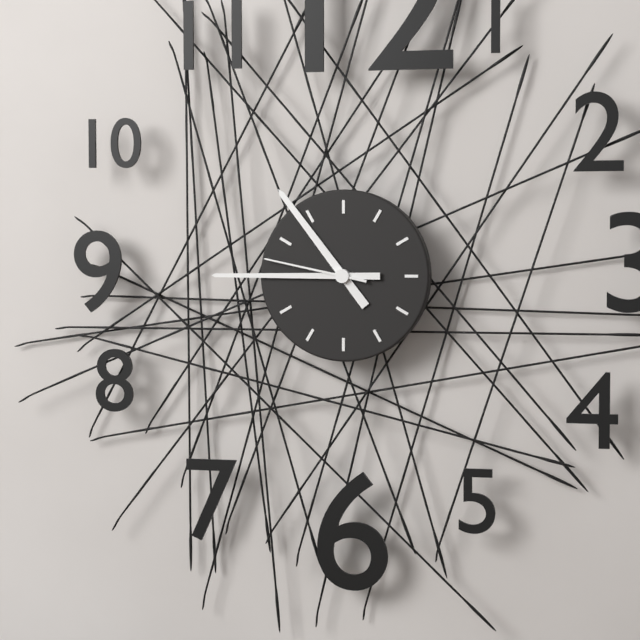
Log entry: **10:45:47**
